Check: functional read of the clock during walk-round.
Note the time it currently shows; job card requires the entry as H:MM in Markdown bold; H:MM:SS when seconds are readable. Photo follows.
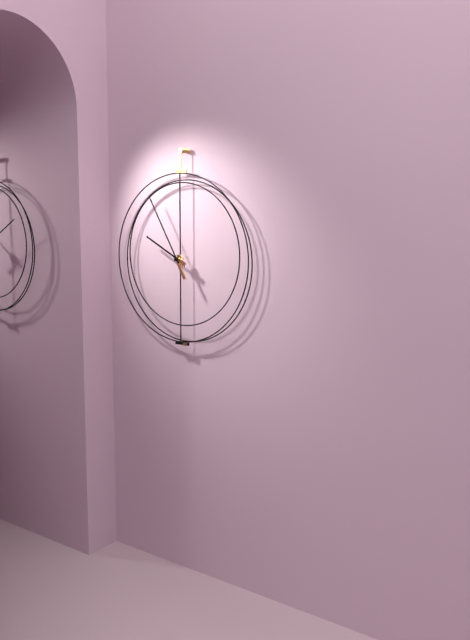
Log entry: **9:55**
